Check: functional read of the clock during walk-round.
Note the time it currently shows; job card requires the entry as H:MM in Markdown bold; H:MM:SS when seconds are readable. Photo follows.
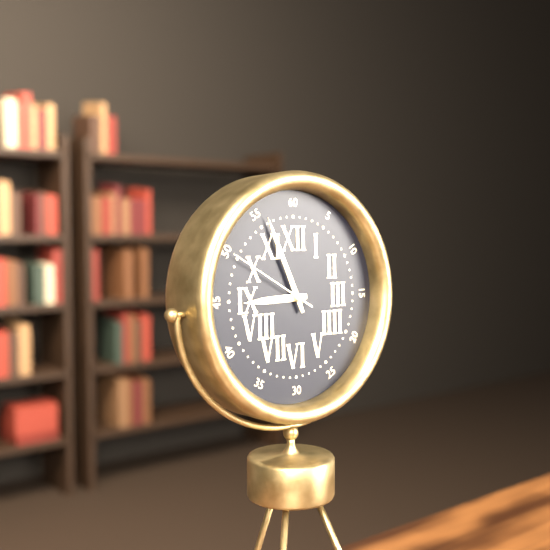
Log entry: **8:56:50**
